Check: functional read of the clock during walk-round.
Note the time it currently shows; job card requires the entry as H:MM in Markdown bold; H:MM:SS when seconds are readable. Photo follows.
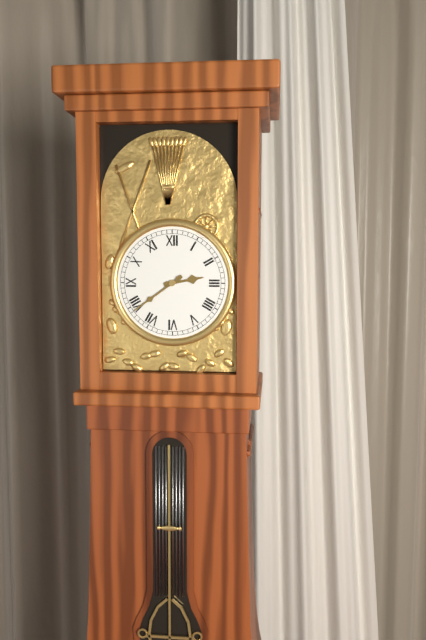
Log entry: **2:39**
